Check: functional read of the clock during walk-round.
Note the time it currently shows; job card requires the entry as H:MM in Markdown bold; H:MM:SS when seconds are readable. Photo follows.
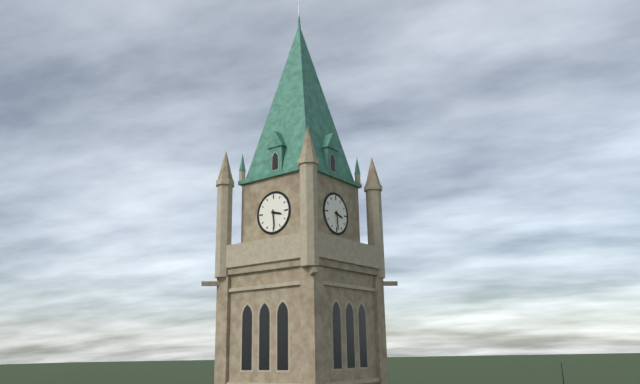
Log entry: **3:29**
